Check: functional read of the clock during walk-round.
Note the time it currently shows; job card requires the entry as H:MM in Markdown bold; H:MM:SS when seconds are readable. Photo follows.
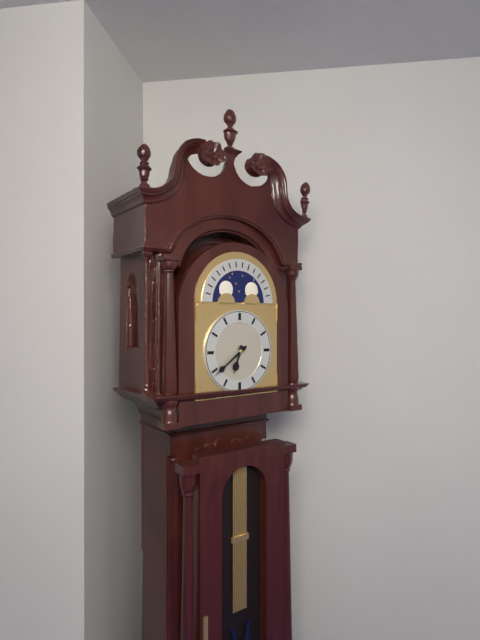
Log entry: **6:39**
